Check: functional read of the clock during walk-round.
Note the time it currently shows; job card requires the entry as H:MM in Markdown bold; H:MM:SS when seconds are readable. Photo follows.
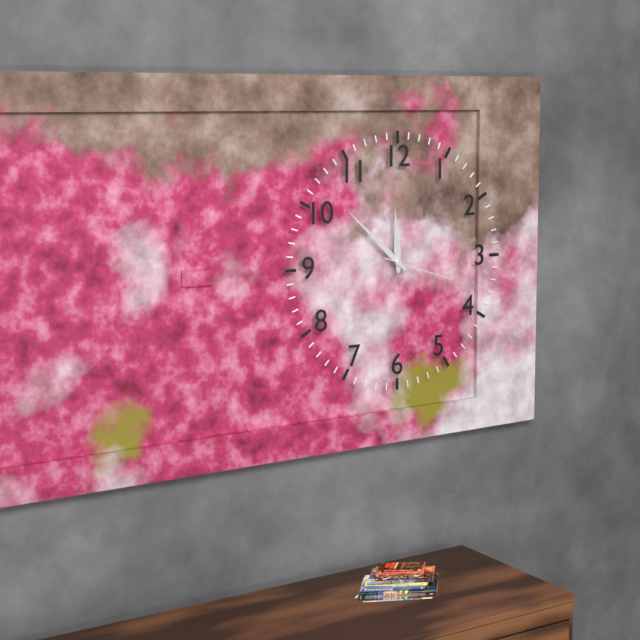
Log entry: **11:52:18**
